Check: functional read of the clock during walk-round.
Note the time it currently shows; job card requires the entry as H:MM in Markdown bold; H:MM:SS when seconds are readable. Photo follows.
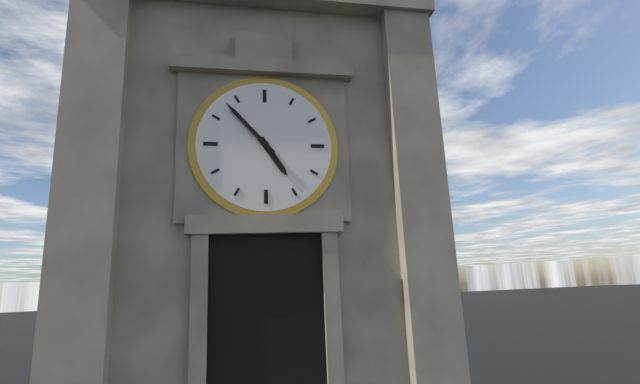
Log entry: **4:53**
